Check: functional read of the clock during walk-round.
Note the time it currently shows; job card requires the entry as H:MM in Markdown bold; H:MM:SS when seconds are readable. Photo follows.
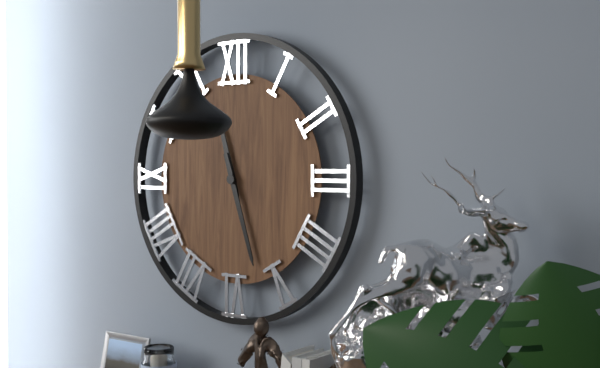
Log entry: **11:27**
